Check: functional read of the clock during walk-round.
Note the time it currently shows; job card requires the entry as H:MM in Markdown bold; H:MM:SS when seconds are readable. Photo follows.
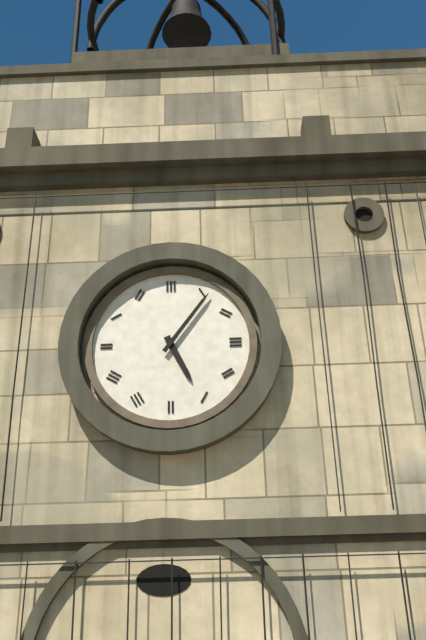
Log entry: **5:06**
